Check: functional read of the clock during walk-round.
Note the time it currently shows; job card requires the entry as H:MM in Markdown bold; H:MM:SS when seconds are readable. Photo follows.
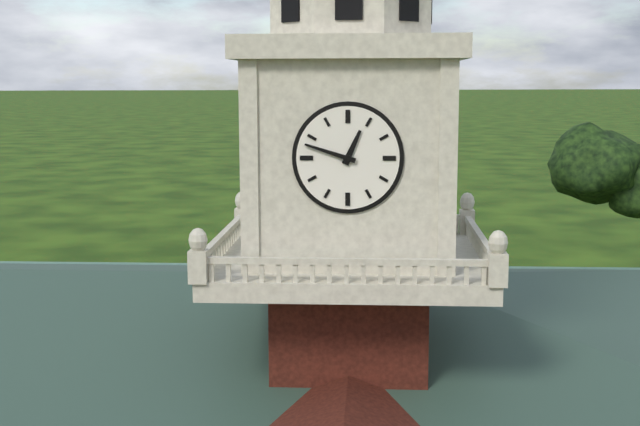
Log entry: **12:48**
